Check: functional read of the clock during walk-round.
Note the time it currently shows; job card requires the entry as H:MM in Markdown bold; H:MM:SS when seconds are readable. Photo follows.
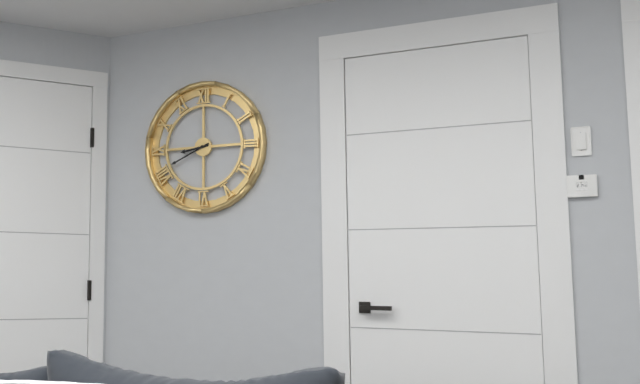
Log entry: **8:41**
